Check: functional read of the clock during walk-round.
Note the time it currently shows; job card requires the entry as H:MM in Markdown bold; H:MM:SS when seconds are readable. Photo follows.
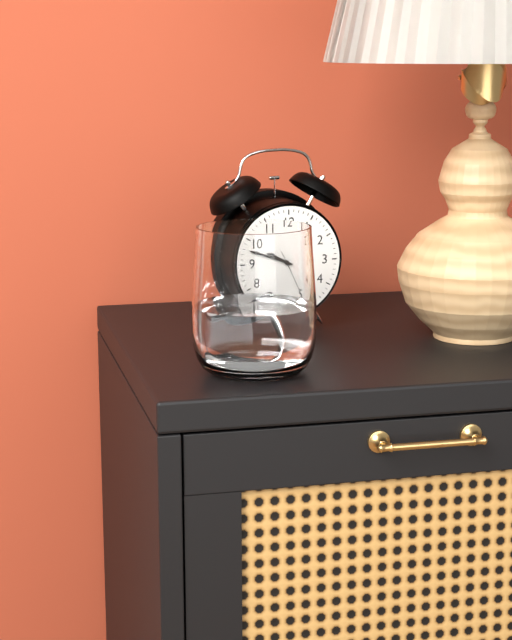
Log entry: **9:48:25**
